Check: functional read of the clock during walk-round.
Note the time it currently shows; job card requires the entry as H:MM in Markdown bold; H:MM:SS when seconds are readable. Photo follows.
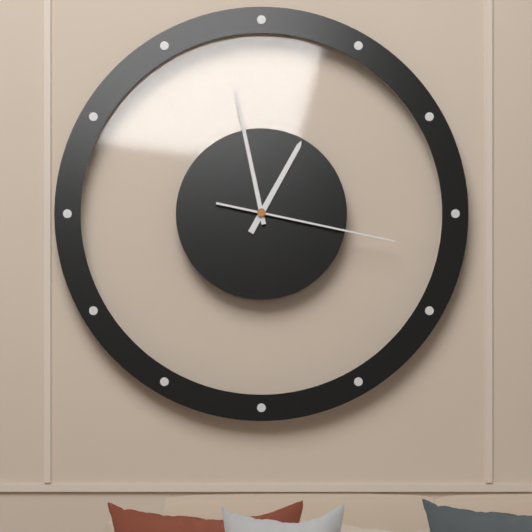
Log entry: **12:58:17**
